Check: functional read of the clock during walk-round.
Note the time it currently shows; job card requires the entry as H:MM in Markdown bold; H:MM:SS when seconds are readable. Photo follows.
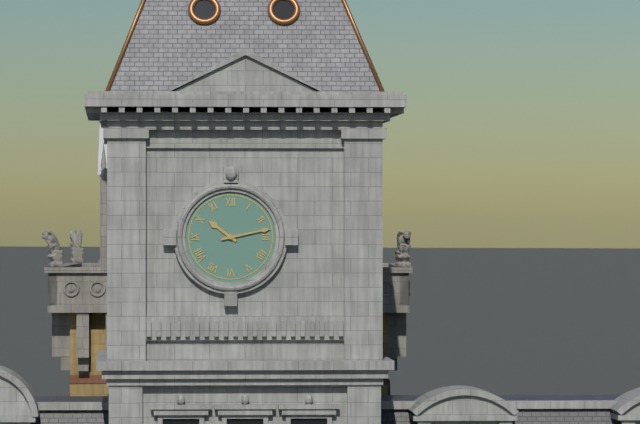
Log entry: **10:13**
